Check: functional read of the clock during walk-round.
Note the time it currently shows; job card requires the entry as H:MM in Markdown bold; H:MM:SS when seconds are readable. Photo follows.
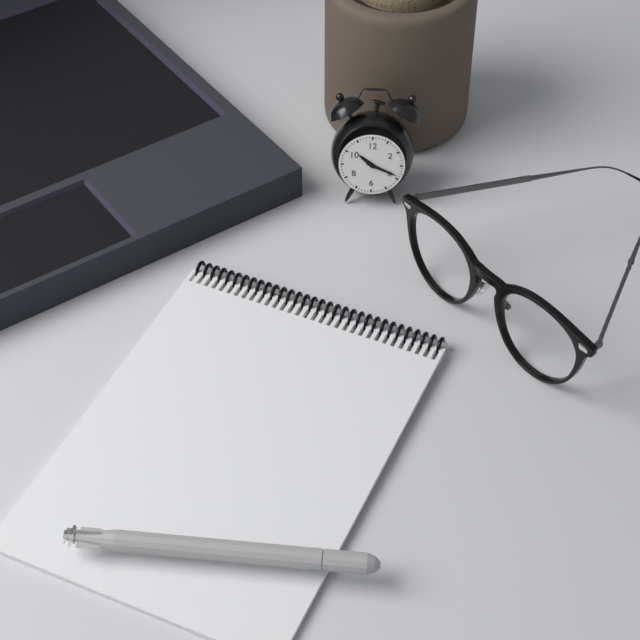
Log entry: **10:19**
